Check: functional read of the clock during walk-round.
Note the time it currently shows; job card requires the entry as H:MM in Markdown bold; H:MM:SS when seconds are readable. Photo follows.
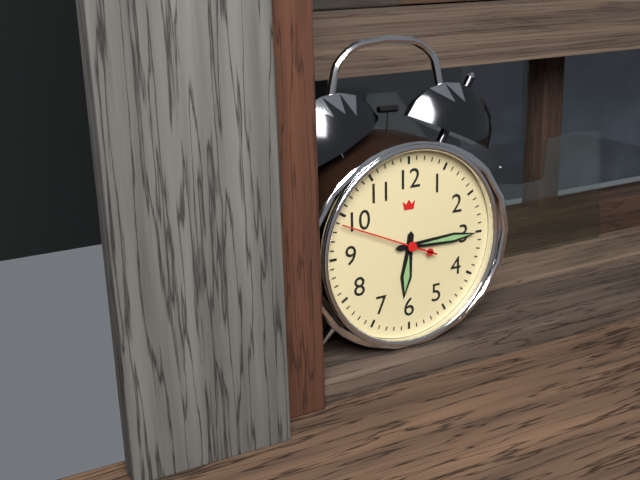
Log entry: **6:15:49**
